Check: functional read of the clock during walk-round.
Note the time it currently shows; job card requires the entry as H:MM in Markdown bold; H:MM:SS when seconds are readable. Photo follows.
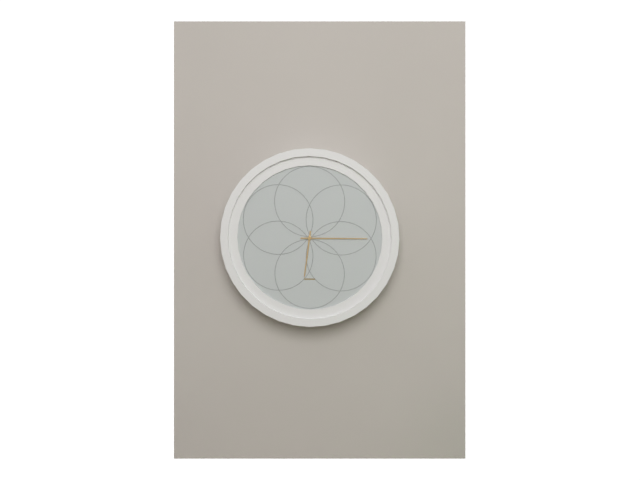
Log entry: **6:15**
